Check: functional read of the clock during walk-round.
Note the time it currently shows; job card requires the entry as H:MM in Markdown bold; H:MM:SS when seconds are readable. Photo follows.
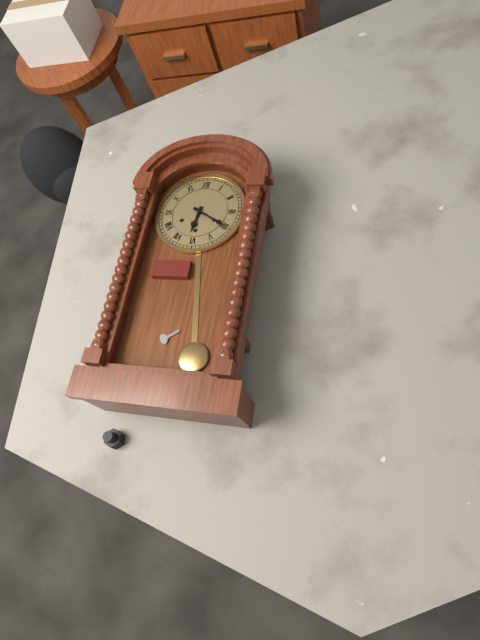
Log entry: **6:20**
